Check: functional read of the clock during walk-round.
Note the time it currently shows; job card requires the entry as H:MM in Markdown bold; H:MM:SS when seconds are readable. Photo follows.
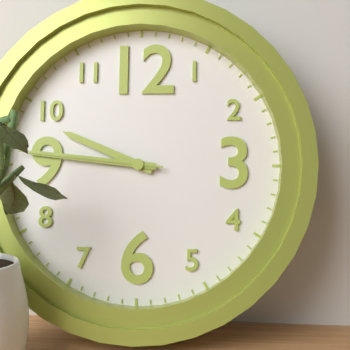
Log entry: **9:46:46**
